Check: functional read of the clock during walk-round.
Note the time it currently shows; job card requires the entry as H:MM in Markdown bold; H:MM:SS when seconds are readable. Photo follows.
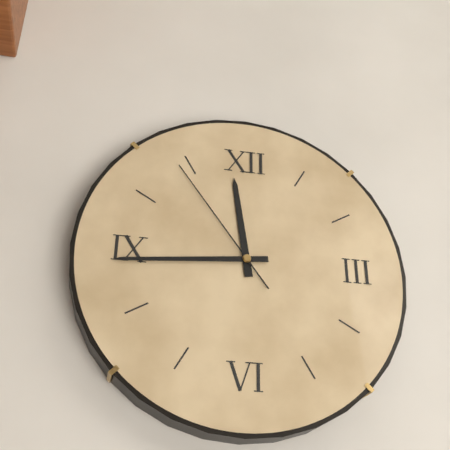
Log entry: **11:44:54**
